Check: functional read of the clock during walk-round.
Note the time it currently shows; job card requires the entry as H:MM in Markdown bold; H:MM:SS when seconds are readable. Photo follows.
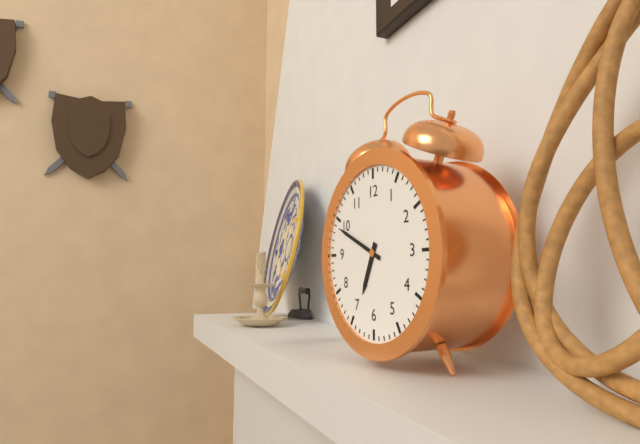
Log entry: **6:49**
